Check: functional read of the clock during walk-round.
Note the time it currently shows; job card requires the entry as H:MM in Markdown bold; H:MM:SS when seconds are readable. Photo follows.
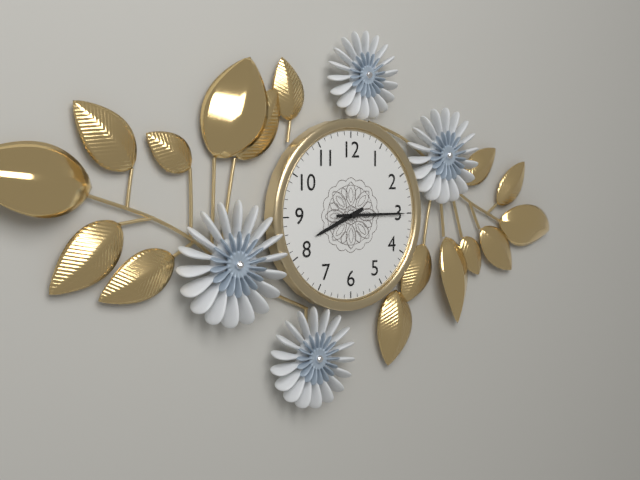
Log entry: **8:15**
